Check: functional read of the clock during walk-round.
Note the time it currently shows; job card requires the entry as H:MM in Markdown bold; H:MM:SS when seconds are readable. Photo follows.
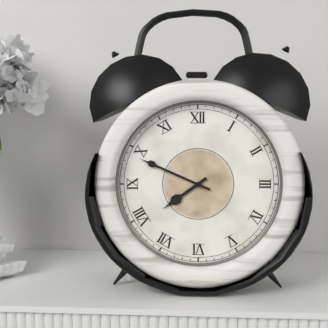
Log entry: **7:49**
